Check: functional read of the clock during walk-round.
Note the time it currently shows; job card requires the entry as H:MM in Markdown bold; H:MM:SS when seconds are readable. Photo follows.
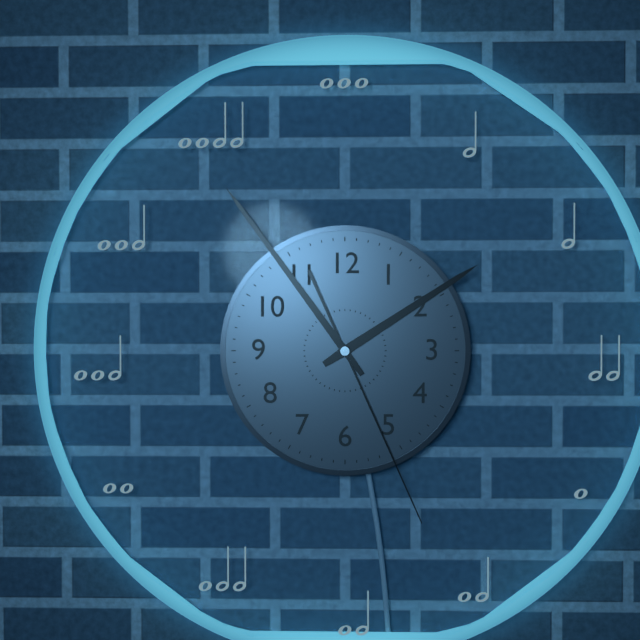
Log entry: **1:54:26**
